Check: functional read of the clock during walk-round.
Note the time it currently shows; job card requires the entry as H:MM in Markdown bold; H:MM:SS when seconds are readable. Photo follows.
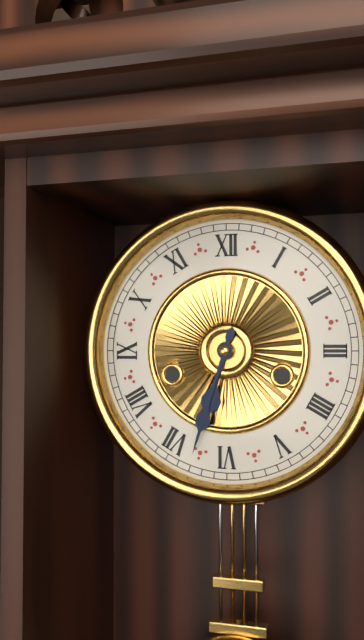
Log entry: **6:33**
